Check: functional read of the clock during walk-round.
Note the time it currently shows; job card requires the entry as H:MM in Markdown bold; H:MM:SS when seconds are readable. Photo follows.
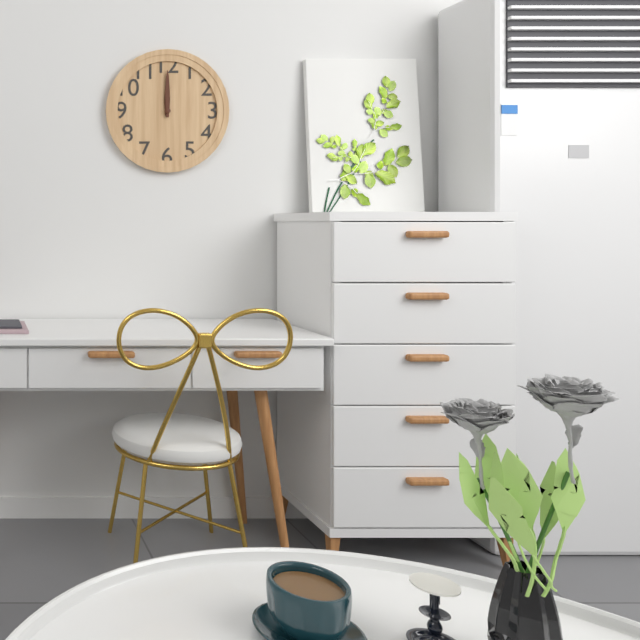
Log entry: **12:00**
